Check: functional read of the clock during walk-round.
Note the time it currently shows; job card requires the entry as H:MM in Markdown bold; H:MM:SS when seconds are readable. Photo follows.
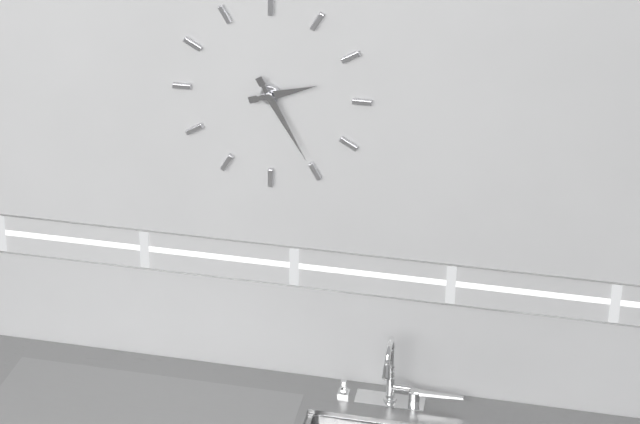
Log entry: **2:25**
